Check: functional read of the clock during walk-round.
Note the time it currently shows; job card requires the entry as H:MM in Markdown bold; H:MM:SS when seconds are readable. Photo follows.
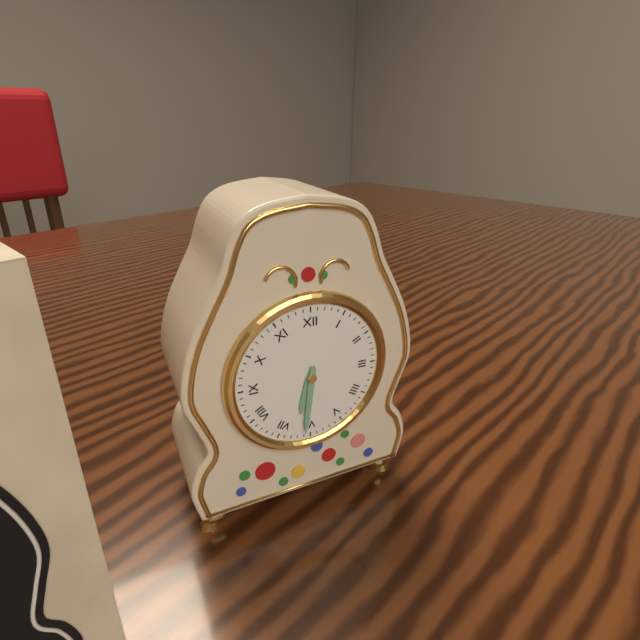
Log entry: **6:31**
